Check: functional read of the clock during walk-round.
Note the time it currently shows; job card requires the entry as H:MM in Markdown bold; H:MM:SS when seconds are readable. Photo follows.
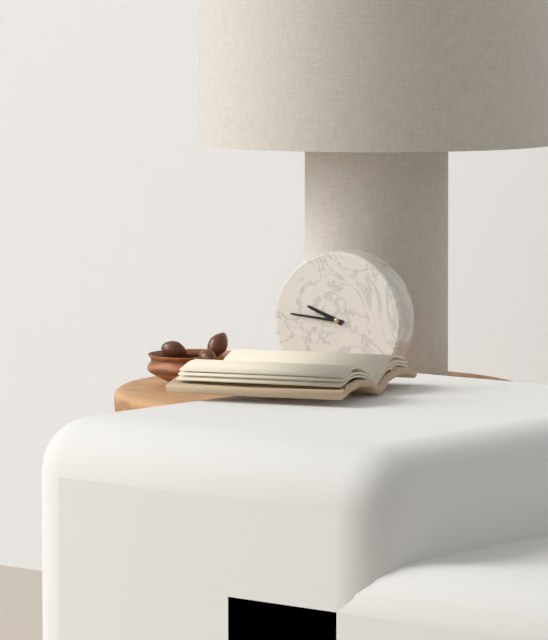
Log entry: **9:46**
